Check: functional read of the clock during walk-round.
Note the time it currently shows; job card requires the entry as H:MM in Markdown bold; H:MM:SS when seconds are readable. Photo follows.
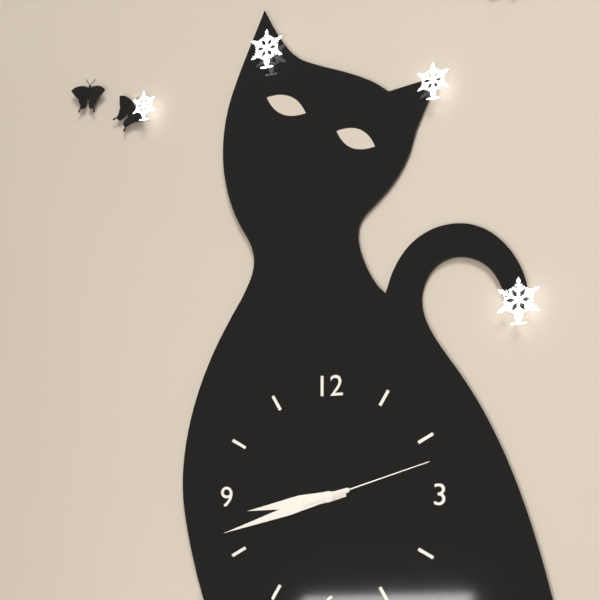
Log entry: **8:42:12**
